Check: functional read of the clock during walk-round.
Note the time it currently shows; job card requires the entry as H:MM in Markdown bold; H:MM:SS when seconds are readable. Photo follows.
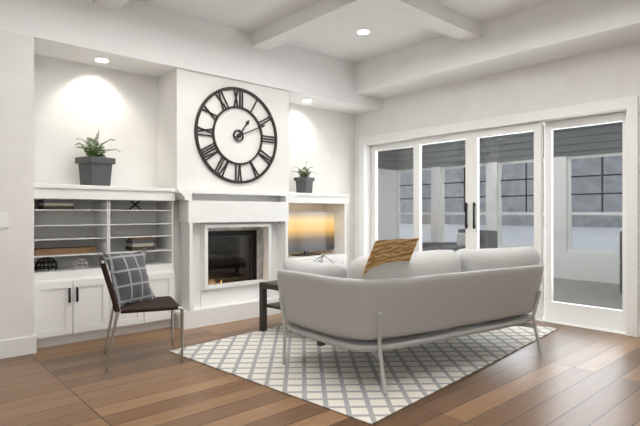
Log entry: **1:11**
